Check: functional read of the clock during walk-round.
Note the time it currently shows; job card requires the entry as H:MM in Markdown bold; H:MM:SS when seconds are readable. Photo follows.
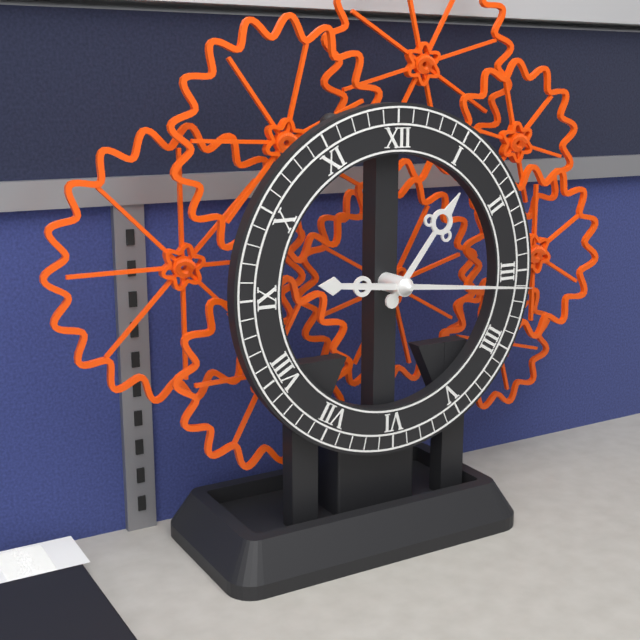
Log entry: **1:16**
